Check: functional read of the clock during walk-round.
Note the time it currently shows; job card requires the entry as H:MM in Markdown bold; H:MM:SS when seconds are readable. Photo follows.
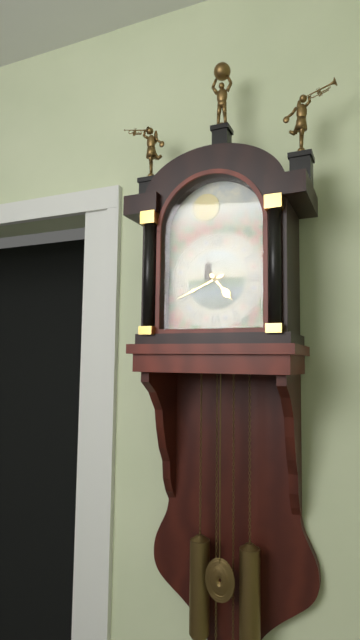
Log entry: **4:41**
